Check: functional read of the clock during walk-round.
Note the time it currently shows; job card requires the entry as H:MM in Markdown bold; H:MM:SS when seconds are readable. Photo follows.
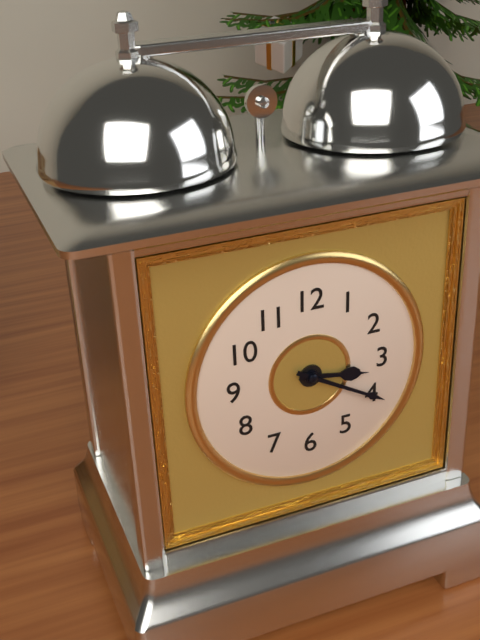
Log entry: **3:20**
